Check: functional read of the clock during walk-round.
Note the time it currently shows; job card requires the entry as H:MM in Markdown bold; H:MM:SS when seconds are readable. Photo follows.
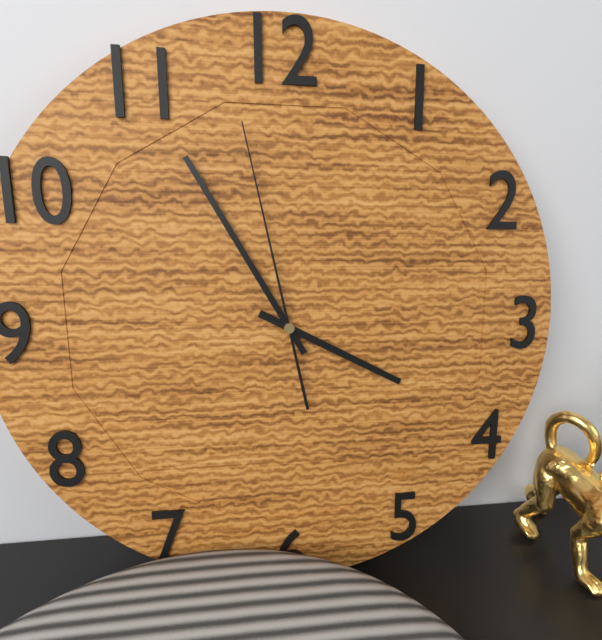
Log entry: **3:55:58**
